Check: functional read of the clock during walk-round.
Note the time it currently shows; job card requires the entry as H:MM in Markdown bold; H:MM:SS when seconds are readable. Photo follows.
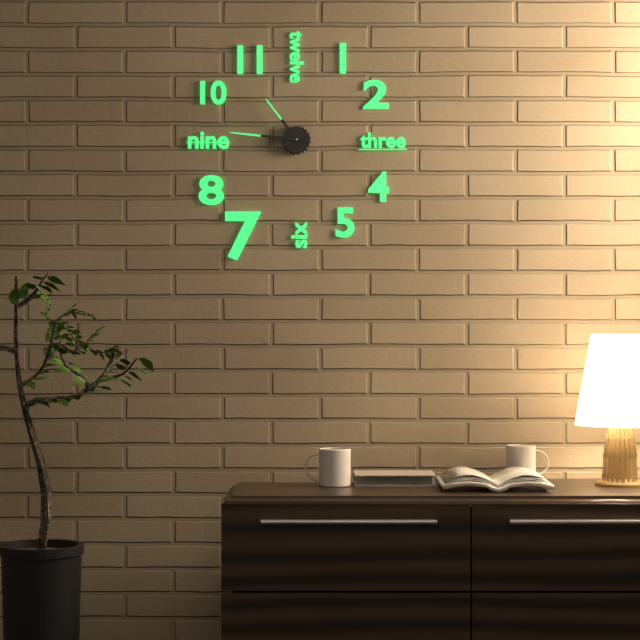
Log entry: **10:46**
